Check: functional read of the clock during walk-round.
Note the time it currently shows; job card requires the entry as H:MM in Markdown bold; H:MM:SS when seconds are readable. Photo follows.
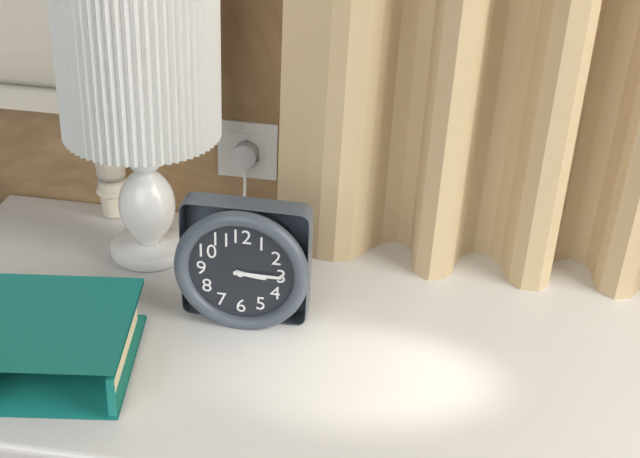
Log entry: **3:15**
